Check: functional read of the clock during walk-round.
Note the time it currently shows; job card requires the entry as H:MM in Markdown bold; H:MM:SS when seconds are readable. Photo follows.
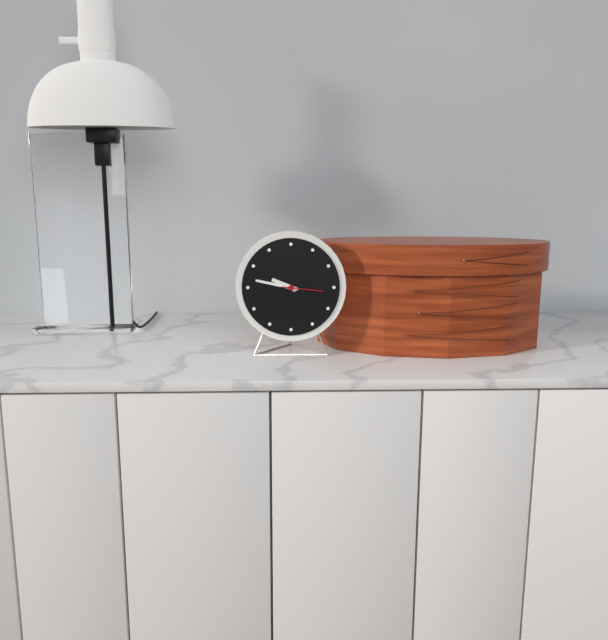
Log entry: **9:47**
